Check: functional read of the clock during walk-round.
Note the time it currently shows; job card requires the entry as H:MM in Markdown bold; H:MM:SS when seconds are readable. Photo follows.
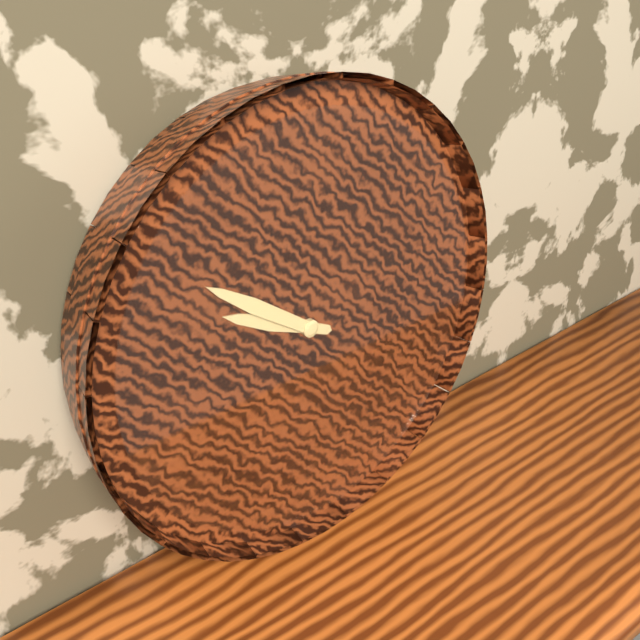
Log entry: **9:51**
